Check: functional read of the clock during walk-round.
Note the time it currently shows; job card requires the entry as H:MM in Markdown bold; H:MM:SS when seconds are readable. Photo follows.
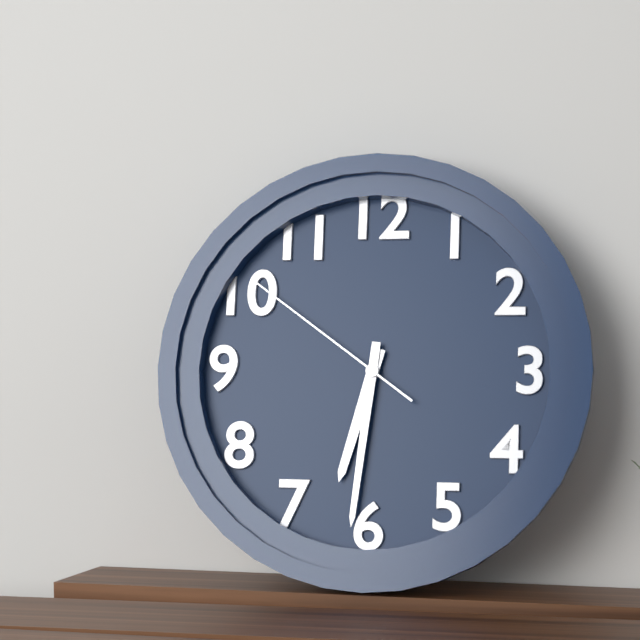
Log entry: **6:31:51**
